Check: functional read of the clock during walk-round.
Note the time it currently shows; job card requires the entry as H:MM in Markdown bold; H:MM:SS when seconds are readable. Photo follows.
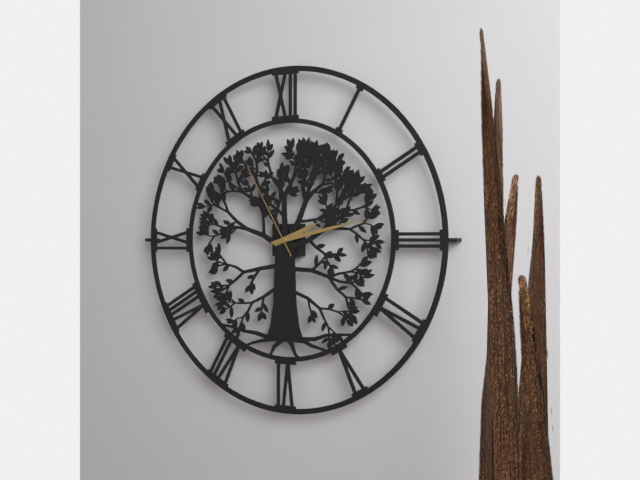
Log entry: **2:13:55**
